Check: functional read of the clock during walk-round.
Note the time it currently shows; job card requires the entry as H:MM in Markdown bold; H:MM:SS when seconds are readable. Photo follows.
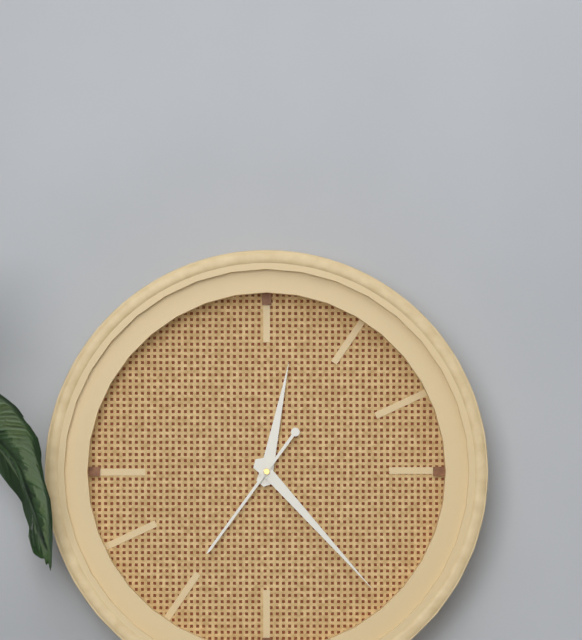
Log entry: **12:23:36**
